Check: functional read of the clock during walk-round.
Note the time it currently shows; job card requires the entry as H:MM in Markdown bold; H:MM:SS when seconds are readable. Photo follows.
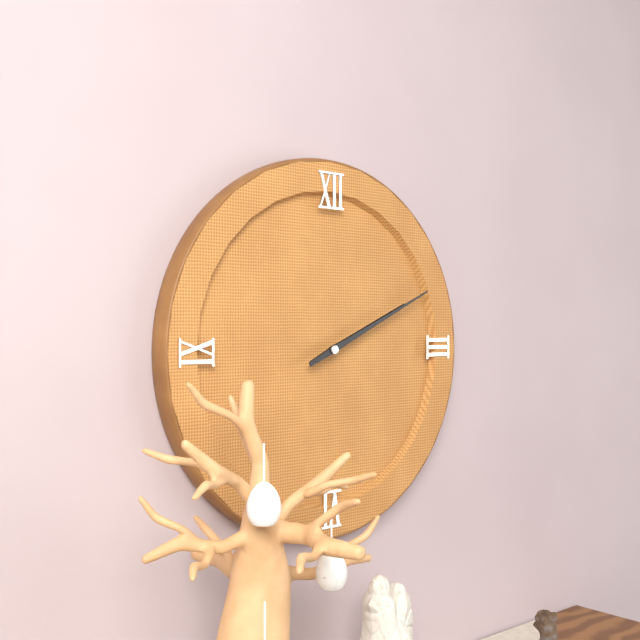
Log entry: **2:11**
